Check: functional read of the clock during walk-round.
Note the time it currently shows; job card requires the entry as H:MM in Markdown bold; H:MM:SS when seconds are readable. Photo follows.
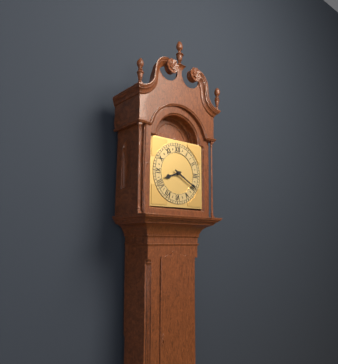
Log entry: **8:20**
